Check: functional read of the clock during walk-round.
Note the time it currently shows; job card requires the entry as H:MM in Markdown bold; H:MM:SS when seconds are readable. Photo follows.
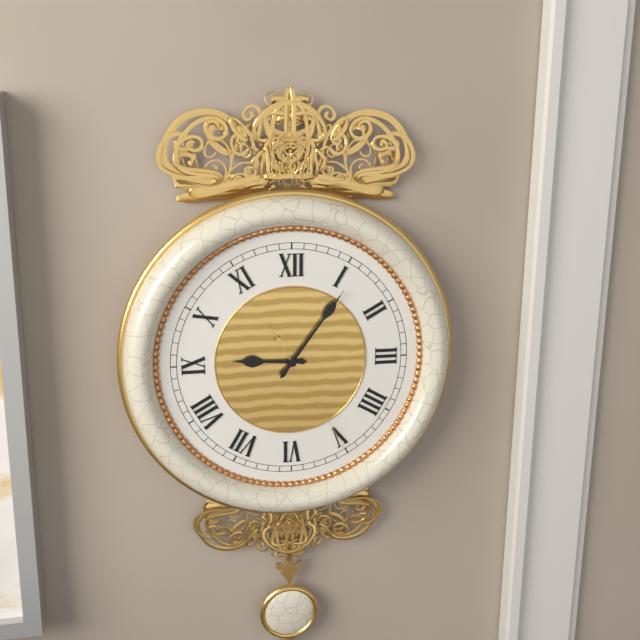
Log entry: **9:06:25**
